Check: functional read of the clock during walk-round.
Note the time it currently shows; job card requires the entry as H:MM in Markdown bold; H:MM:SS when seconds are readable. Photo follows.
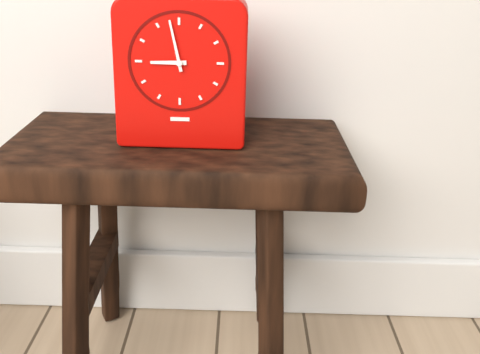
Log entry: **8:58**
